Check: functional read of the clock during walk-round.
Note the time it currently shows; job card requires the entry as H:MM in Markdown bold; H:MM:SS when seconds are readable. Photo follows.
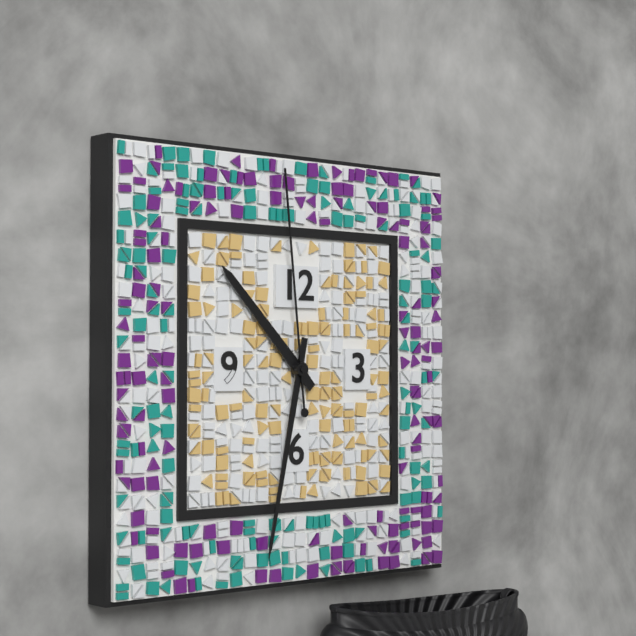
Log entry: **10:32:59**
